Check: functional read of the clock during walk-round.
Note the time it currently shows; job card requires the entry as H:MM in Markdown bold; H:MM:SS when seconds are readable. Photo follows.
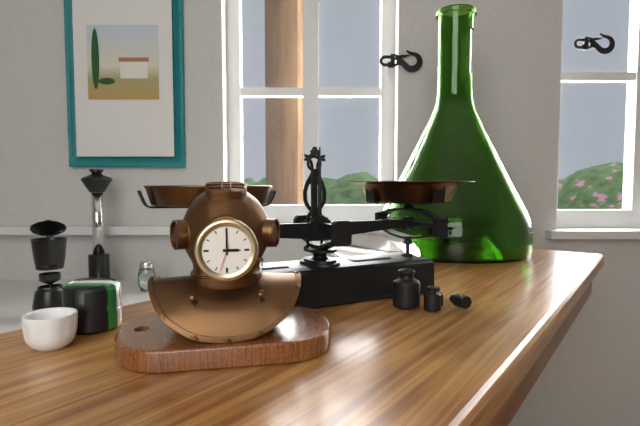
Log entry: **3:00**
